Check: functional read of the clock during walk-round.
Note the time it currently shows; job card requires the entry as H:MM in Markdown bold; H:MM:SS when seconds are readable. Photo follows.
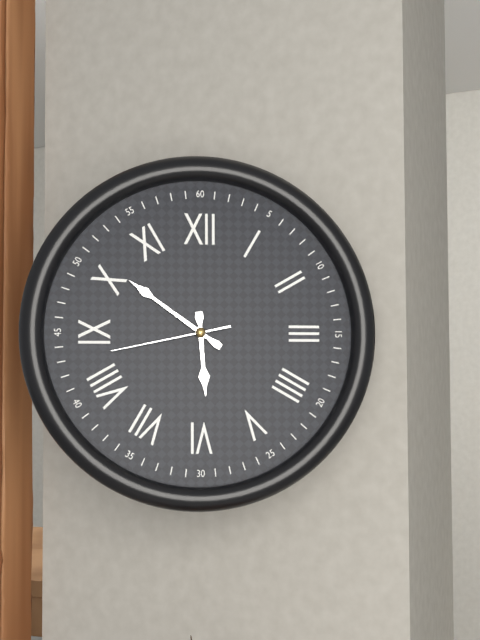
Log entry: **5:51:43**
